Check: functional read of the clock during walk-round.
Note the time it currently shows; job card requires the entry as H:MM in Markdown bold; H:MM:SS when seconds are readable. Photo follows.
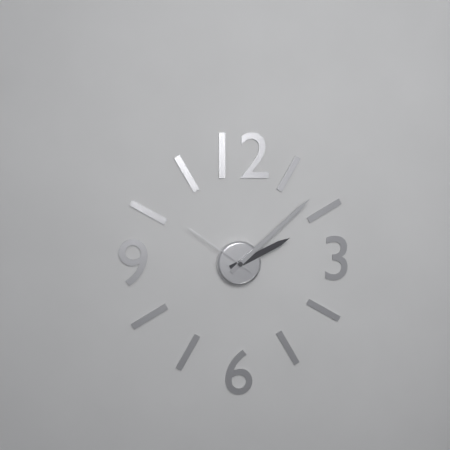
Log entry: **2:08:51**
